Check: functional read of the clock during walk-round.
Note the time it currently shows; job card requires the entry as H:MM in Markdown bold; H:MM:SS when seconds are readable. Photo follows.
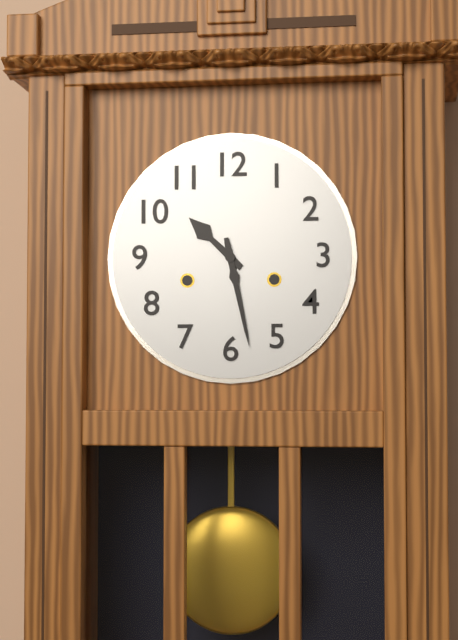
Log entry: **10:28**
